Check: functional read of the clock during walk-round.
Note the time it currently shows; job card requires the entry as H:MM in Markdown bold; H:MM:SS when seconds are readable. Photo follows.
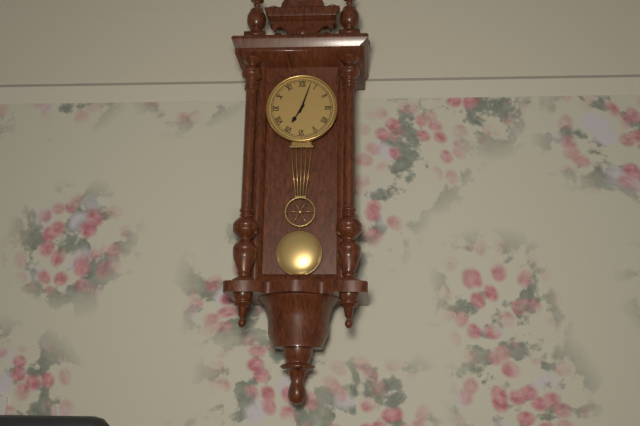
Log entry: **7:03**
